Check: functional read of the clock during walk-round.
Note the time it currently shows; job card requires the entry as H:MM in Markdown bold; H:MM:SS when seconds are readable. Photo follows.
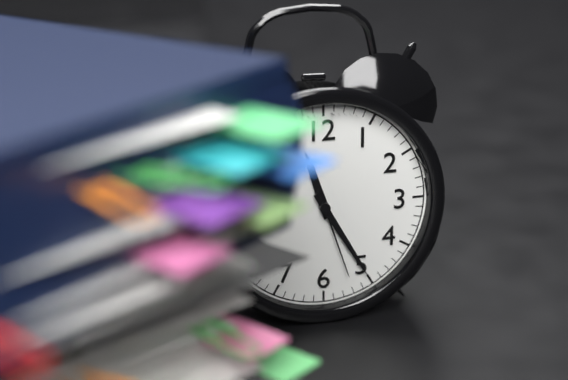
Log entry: **11:25:27**
